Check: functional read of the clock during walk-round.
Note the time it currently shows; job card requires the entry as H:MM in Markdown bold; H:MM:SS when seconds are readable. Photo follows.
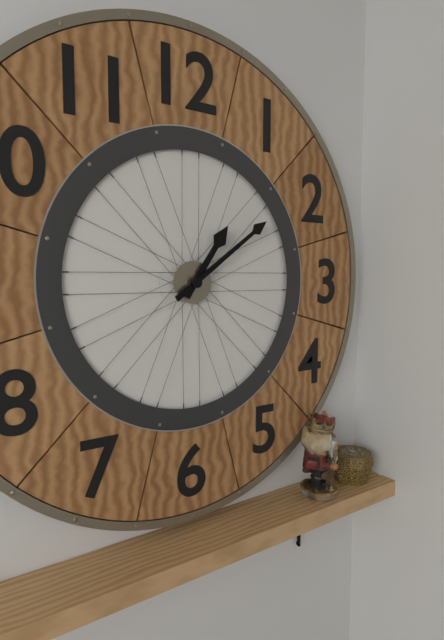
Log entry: **1:09**
